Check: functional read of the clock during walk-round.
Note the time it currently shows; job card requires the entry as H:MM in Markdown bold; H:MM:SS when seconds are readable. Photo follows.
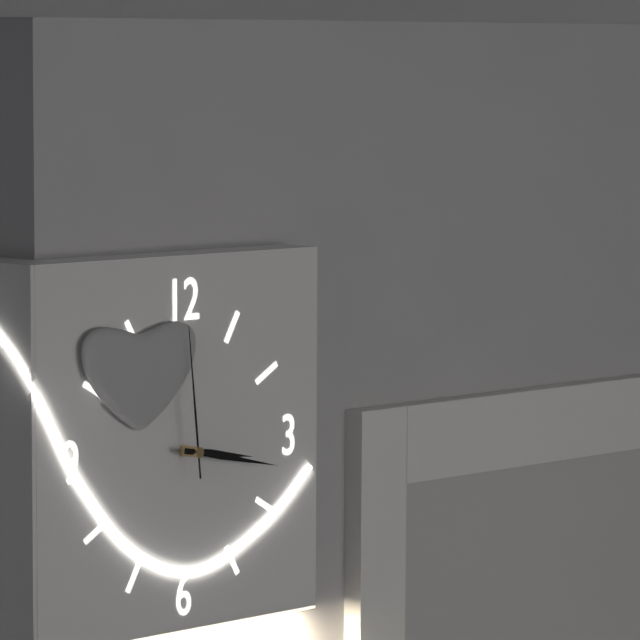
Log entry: **3:17:59**
